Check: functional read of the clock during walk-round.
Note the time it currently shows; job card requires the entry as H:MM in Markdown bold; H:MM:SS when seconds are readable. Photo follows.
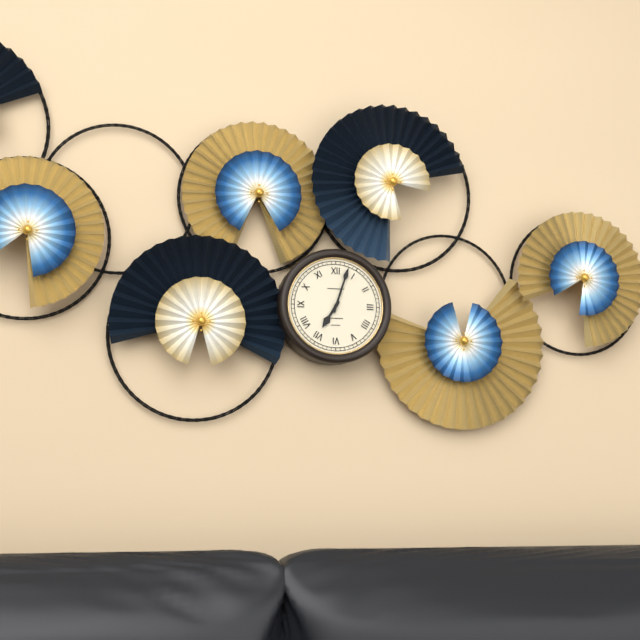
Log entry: **7:03**
